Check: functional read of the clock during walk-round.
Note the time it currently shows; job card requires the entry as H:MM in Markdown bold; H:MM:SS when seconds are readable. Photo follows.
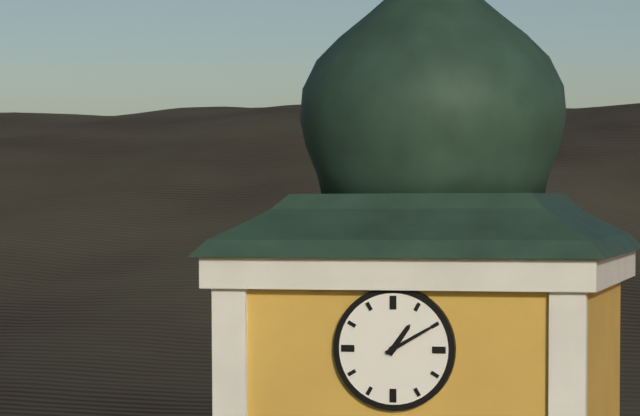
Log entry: **1:10**
